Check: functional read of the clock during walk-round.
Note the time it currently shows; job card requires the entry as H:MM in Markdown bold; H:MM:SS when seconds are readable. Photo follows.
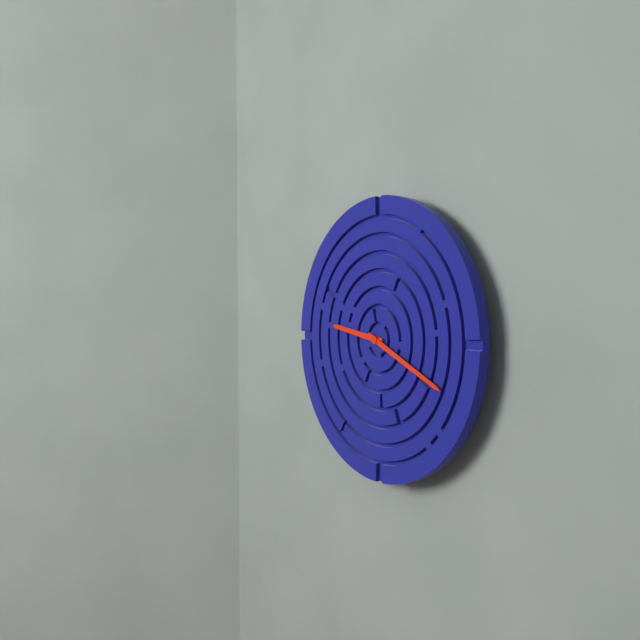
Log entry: **9:19**
